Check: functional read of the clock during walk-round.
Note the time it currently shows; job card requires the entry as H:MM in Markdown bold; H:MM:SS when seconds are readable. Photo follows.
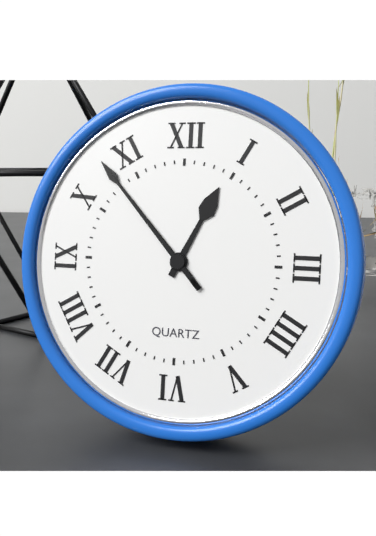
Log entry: **12:53:53**
